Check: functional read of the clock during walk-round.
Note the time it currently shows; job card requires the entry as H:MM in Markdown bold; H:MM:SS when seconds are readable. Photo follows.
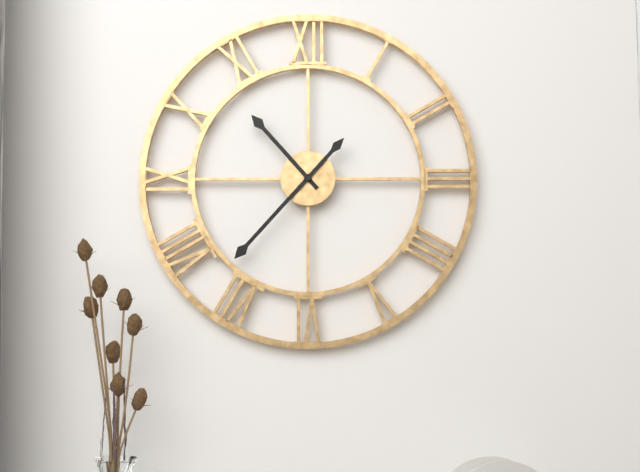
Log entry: **10:37**
